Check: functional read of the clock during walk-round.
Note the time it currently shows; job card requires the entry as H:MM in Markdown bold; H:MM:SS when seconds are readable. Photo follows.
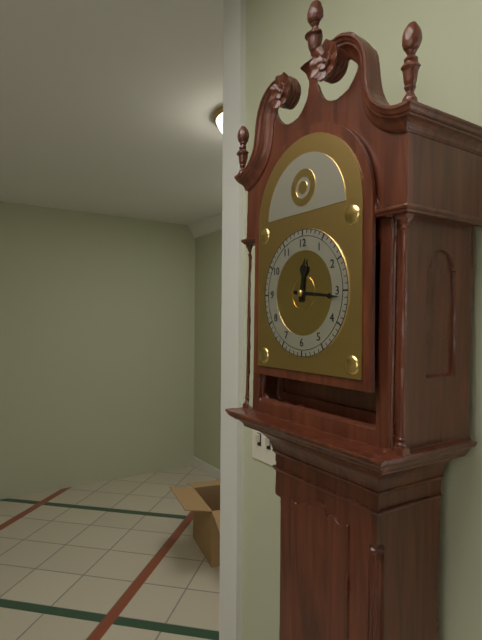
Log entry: **12:16**
